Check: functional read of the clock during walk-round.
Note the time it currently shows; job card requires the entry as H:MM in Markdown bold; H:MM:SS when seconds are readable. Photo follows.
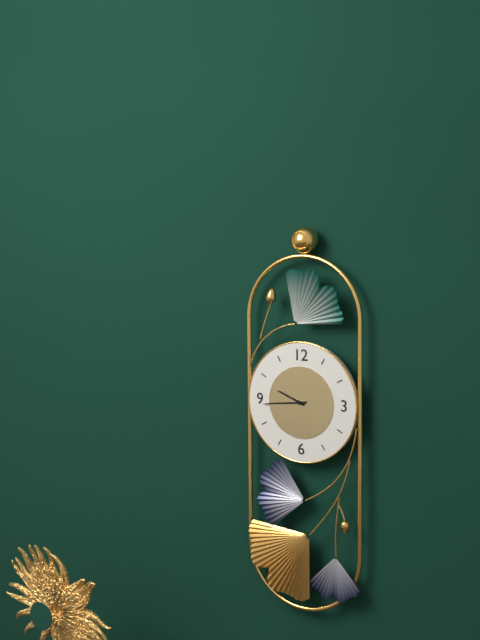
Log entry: **9:44**
